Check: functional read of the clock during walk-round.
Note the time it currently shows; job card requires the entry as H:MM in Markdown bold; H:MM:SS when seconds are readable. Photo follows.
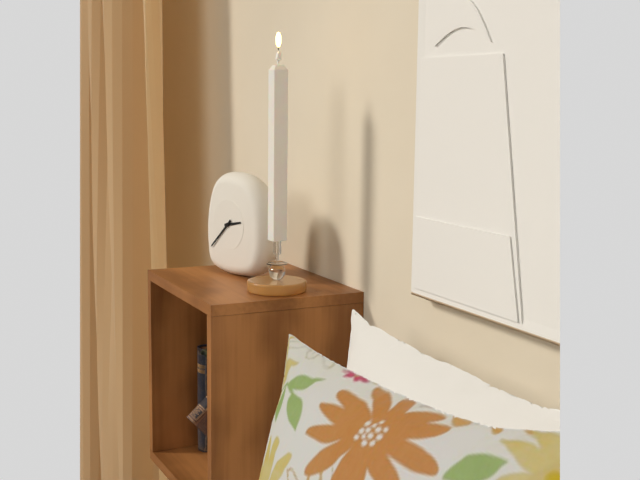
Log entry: **2:38**
